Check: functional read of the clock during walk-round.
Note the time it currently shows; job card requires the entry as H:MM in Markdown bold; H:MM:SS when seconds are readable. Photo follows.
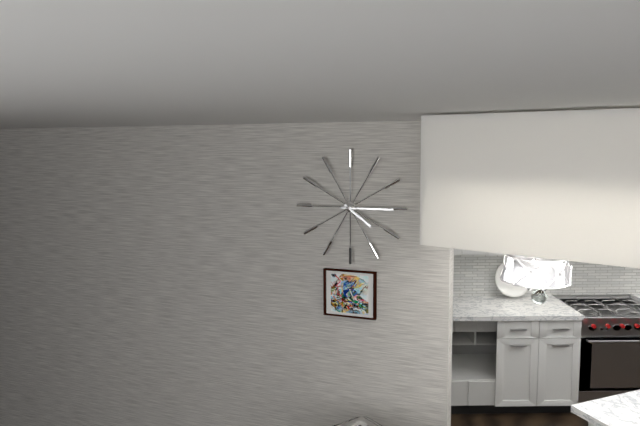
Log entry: **4:15**
